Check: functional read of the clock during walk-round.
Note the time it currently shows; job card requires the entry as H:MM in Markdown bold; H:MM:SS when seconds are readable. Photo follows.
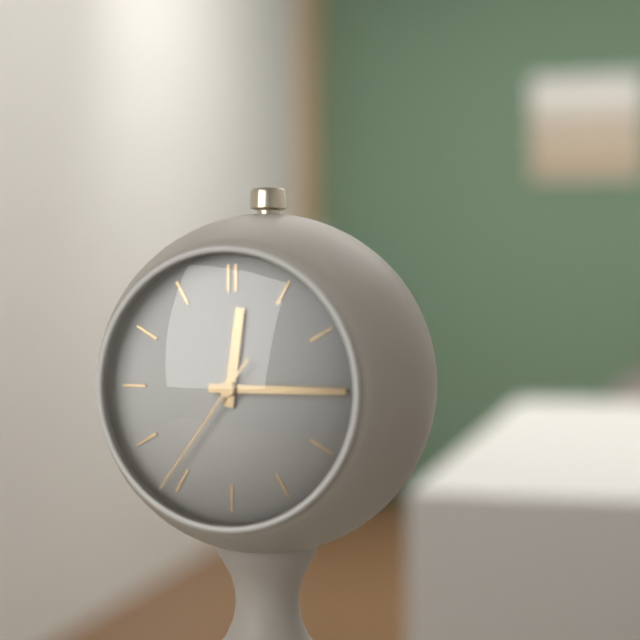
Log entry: **12:15:36**
